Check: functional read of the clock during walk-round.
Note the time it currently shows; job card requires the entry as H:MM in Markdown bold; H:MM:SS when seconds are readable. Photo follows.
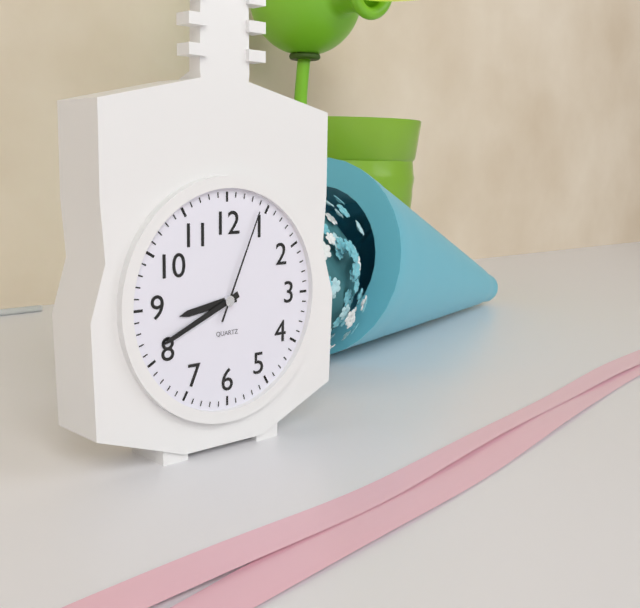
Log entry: **8:41:04**
